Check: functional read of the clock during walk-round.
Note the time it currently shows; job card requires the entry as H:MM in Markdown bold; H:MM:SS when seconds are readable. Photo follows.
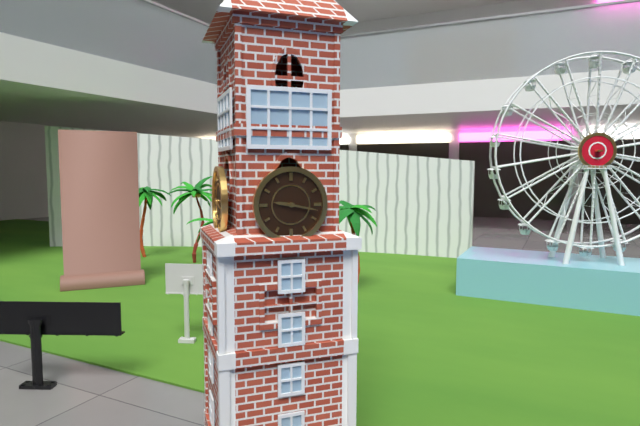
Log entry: **9:17**
